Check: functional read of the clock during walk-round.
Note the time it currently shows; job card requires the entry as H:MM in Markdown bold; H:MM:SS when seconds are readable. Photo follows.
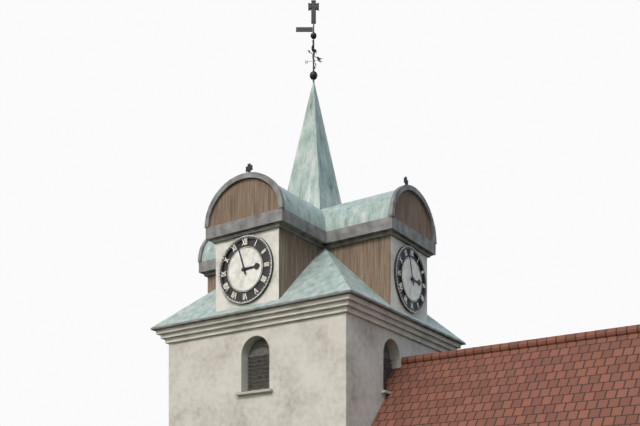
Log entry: **2:57**
